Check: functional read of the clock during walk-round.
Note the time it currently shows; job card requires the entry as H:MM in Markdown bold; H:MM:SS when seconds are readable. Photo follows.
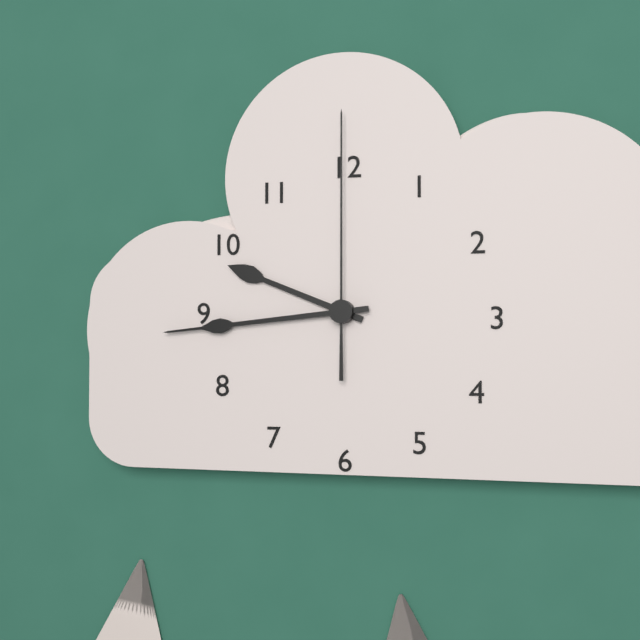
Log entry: **9:44:00**
